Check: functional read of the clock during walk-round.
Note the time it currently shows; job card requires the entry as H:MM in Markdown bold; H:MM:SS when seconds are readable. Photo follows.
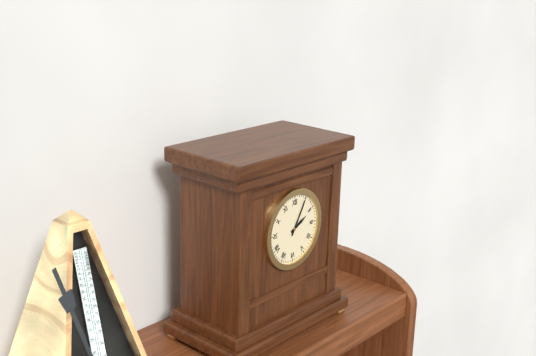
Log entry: **2:05**
